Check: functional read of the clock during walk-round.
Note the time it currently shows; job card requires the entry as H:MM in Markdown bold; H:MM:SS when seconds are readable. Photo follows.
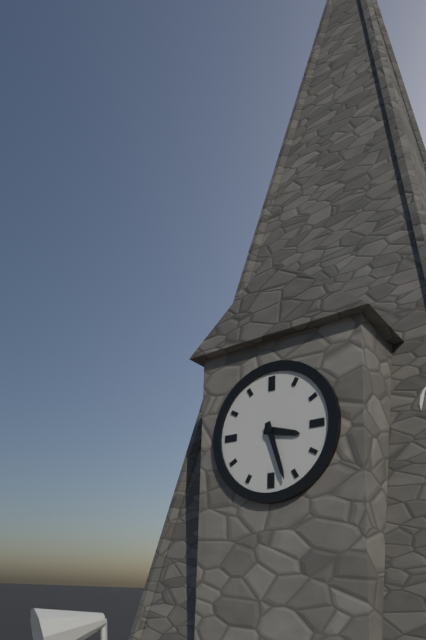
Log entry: **3:27**
